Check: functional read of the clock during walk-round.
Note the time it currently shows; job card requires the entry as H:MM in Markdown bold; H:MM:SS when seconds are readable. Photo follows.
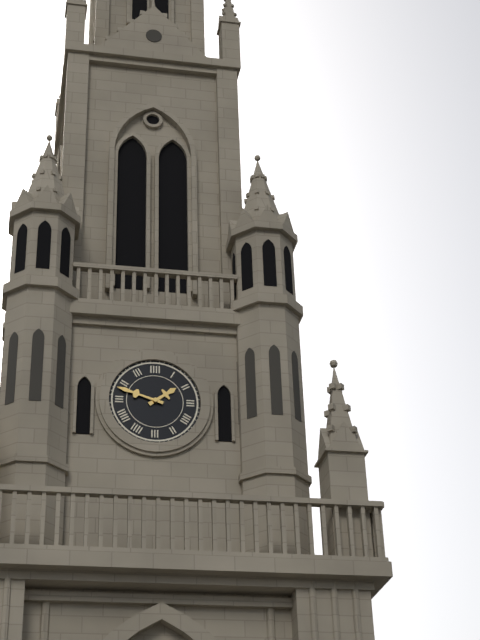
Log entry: **1:48**
